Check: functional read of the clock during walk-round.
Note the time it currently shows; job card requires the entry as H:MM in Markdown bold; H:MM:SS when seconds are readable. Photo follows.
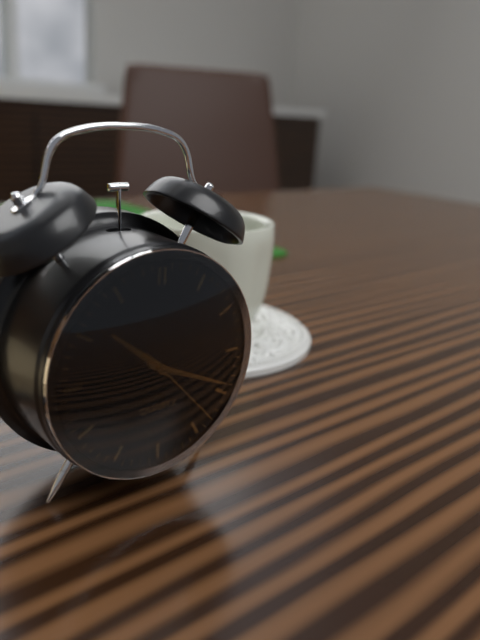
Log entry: **10:19:23**
